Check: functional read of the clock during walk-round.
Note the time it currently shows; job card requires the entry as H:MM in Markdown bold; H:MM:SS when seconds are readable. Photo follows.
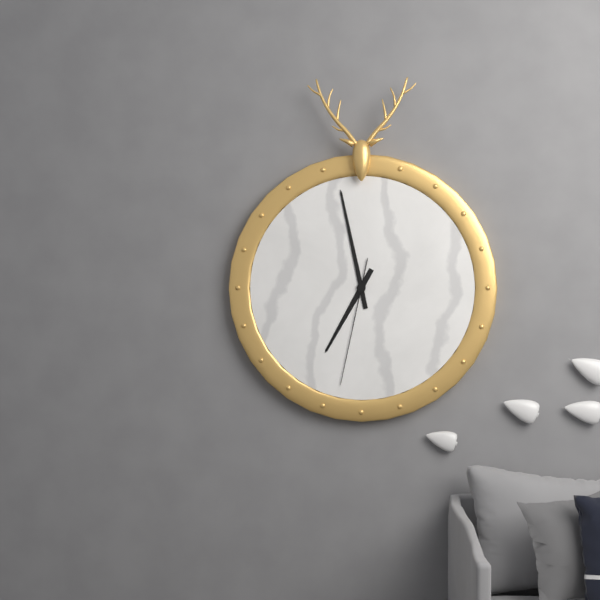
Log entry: **6:58:32**
